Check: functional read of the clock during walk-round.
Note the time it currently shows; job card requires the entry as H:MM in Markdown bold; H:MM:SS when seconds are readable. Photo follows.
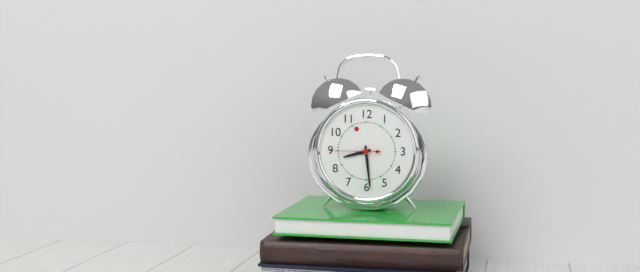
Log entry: **8:29**
